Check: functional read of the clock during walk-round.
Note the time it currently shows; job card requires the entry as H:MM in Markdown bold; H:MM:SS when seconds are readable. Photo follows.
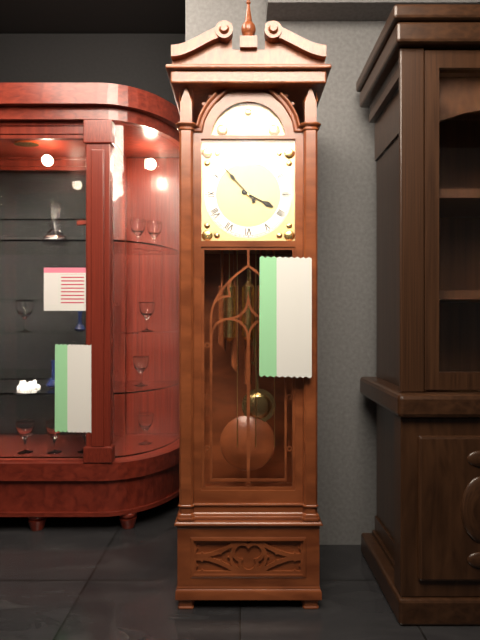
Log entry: **3:53**
